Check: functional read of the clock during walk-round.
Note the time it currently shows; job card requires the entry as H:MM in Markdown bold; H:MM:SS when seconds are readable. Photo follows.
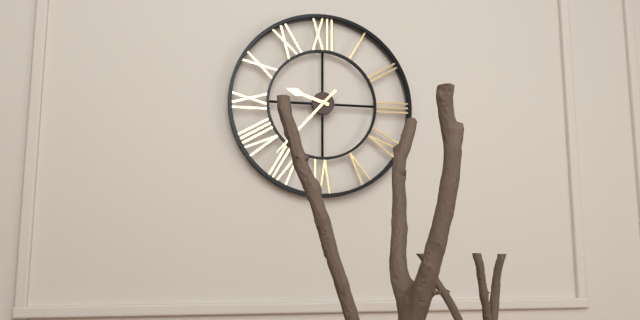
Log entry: **9:37**
